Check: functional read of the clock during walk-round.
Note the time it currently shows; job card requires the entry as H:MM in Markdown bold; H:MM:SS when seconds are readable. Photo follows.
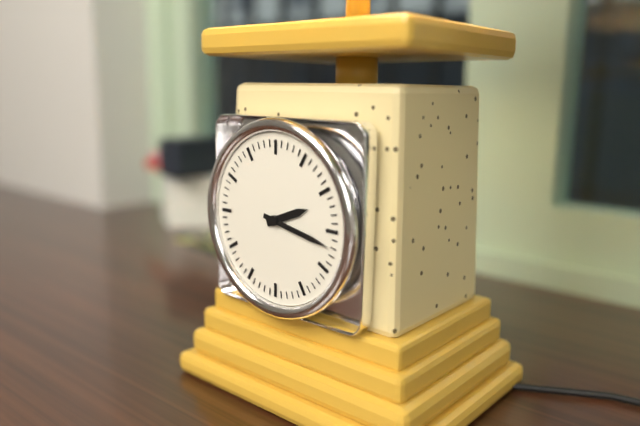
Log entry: **2:17**
